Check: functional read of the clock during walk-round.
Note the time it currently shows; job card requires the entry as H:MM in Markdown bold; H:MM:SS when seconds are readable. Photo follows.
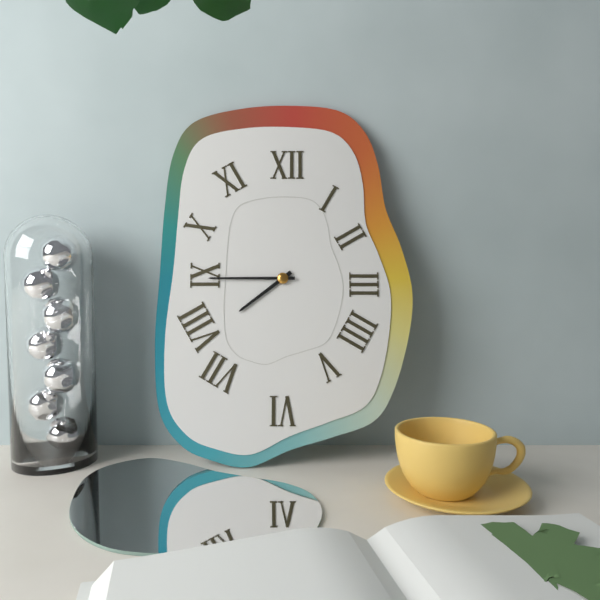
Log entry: **7:45**
